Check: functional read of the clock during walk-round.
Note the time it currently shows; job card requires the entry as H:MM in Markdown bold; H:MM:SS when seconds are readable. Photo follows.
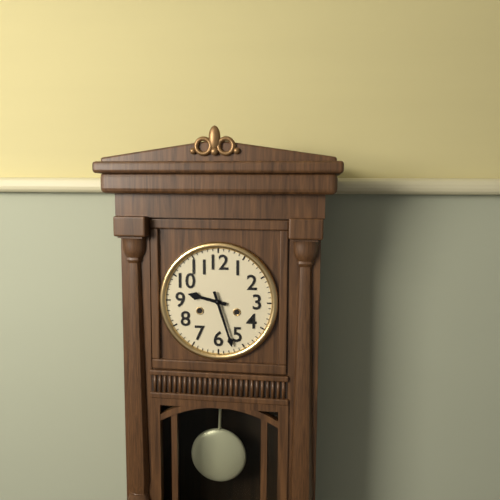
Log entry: **9:27**
